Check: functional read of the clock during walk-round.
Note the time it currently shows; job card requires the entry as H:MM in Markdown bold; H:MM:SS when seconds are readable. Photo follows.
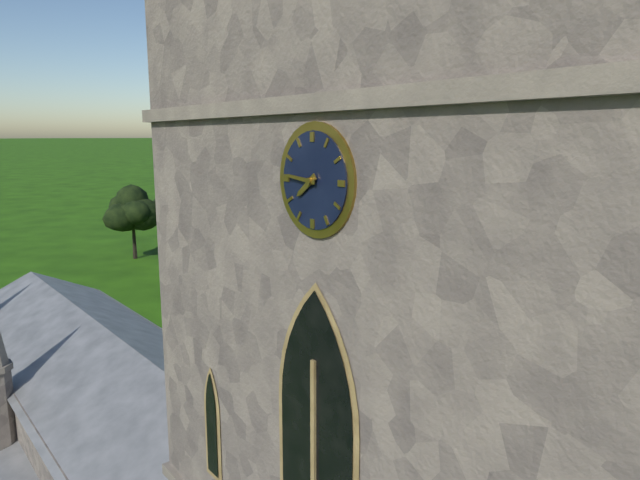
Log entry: **7:46**
